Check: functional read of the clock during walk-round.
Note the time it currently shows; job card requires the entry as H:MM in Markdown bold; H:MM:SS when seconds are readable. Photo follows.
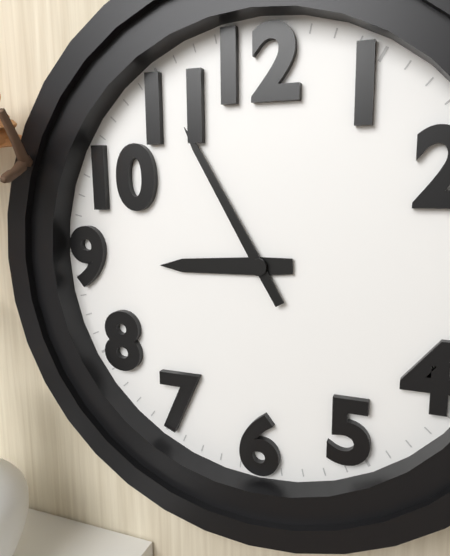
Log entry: **8:55**
